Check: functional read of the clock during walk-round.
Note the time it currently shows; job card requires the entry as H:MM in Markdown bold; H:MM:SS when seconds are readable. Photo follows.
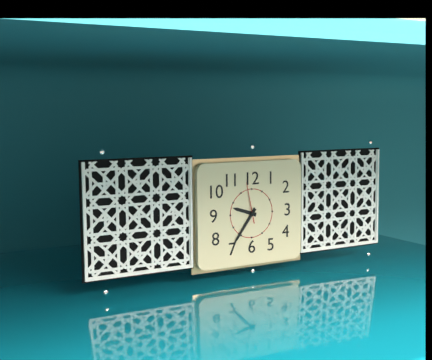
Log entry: **9:36**
